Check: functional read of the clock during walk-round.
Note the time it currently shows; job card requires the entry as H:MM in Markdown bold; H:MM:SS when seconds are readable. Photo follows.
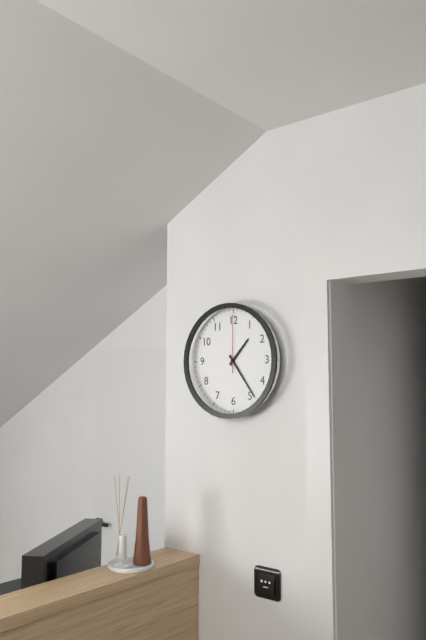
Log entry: **1:24:00**
